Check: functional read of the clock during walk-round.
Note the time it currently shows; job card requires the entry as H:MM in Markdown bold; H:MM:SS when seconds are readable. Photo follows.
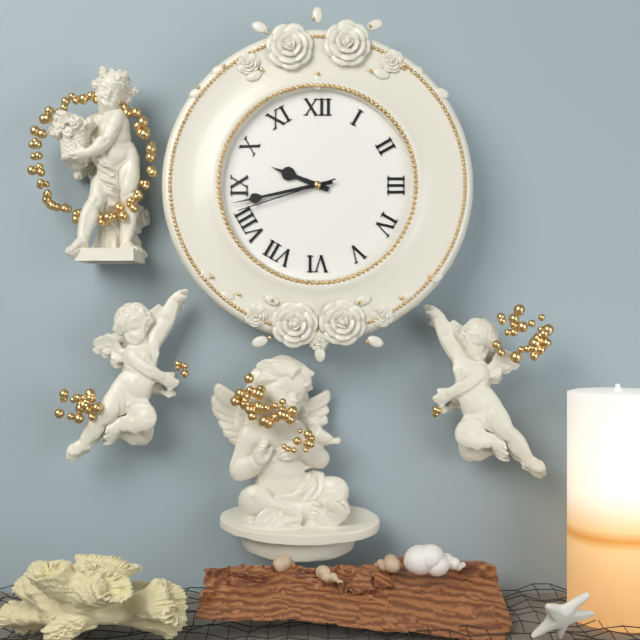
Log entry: **9:43:42**
